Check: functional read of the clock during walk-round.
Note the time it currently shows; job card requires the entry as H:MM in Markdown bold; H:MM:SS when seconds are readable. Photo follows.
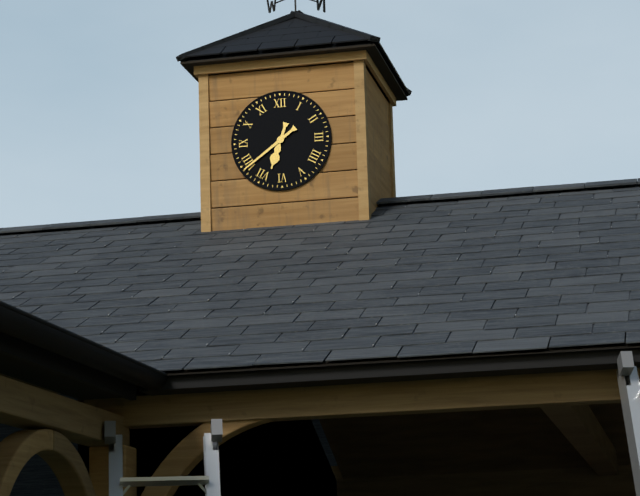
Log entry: **6:39**
